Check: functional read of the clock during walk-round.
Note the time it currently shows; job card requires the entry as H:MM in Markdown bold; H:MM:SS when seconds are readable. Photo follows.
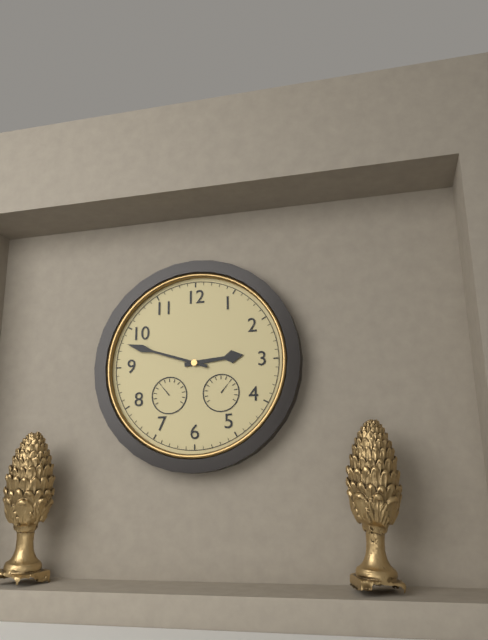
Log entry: **2:48**
